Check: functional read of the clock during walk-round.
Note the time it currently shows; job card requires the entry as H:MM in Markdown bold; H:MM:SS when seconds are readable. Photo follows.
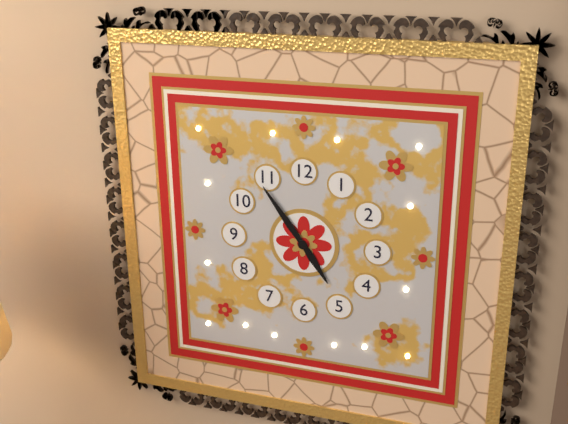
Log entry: **4:54**
